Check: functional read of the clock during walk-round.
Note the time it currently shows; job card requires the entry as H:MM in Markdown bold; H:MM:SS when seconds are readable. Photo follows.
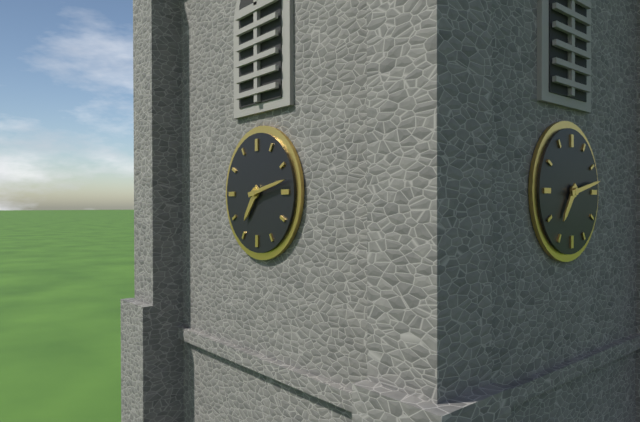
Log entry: **7:13**
